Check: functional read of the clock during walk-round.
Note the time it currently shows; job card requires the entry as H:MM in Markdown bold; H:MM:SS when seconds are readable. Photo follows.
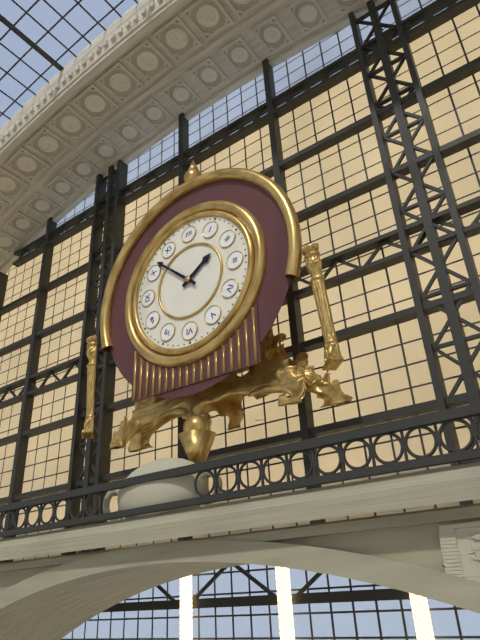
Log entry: **1:52**
